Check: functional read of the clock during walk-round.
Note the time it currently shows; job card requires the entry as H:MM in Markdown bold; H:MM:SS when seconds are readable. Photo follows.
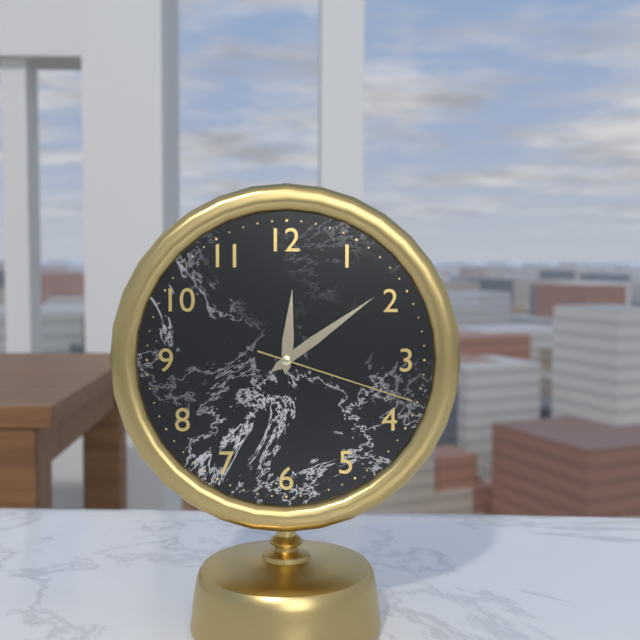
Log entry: **12:09:18**
